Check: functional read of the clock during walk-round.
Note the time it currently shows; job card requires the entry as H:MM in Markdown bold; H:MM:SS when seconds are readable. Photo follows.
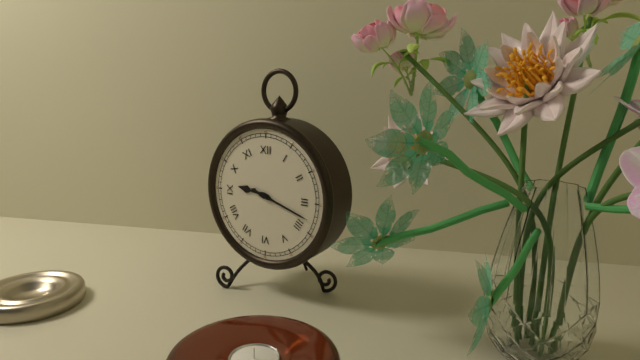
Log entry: **9:18**
